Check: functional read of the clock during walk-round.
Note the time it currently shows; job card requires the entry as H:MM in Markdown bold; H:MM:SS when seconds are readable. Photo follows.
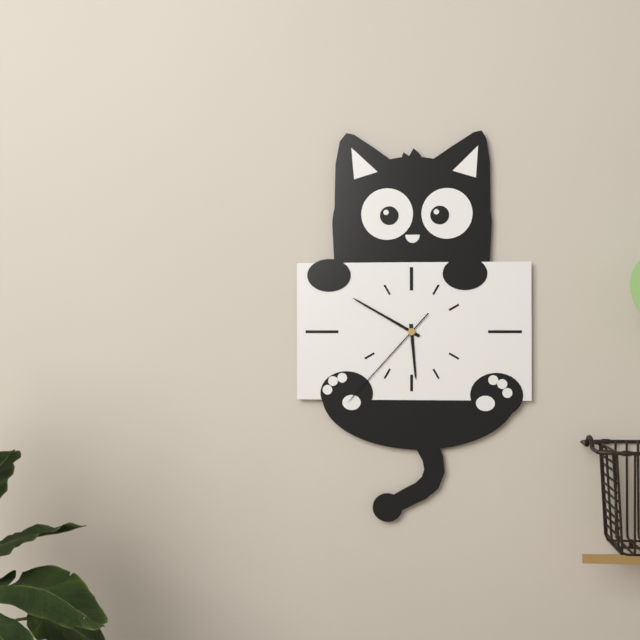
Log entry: **5:50:37**
